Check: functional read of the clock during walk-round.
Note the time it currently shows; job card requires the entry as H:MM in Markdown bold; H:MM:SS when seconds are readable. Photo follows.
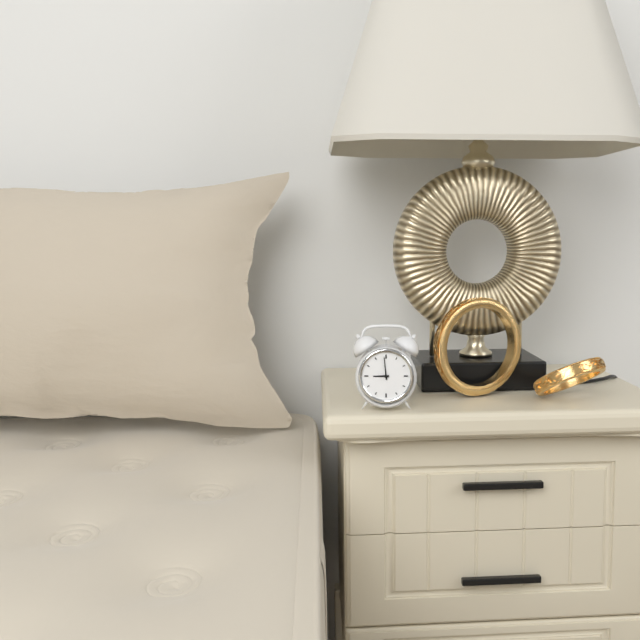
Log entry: **8:59**
